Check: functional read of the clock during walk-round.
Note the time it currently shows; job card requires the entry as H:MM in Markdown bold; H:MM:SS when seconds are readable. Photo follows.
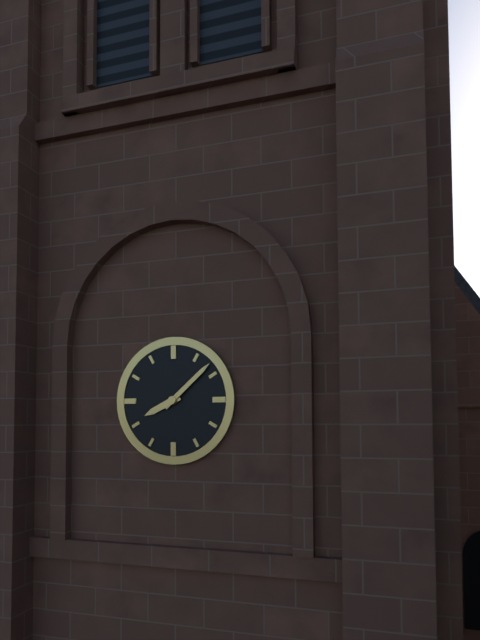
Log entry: **8:08**
